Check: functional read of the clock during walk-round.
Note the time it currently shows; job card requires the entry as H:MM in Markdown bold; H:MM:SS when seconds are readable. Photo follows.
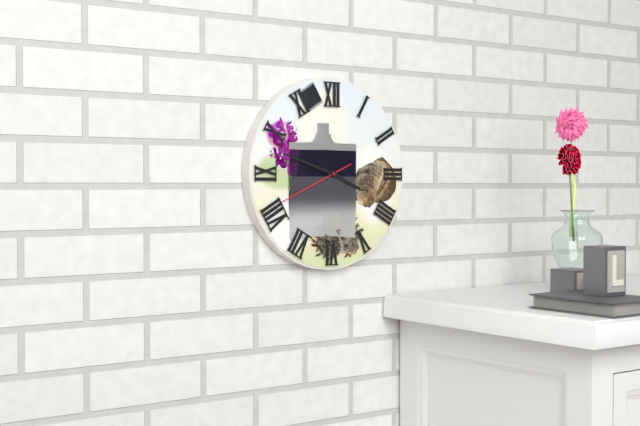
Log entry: **3:48:41**
